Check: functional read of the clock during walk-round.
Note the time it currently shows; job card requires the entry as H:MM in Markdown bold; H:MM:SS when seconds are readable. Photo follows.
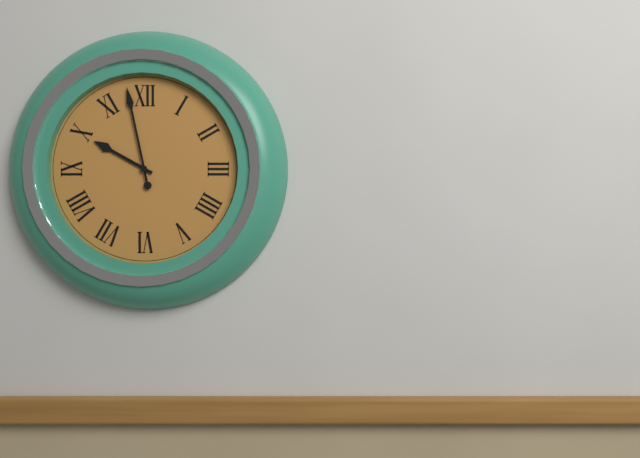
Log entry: **9:58**
